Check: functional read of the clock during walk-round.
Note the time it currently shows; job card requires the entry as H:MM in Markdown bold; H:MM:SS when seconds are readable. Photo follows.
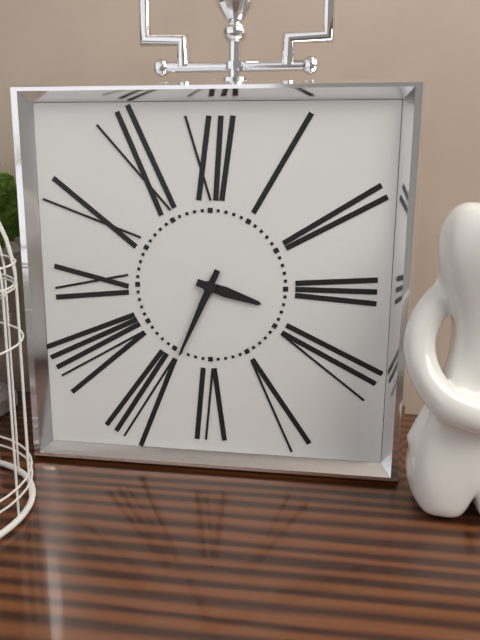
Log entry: **3:34**
